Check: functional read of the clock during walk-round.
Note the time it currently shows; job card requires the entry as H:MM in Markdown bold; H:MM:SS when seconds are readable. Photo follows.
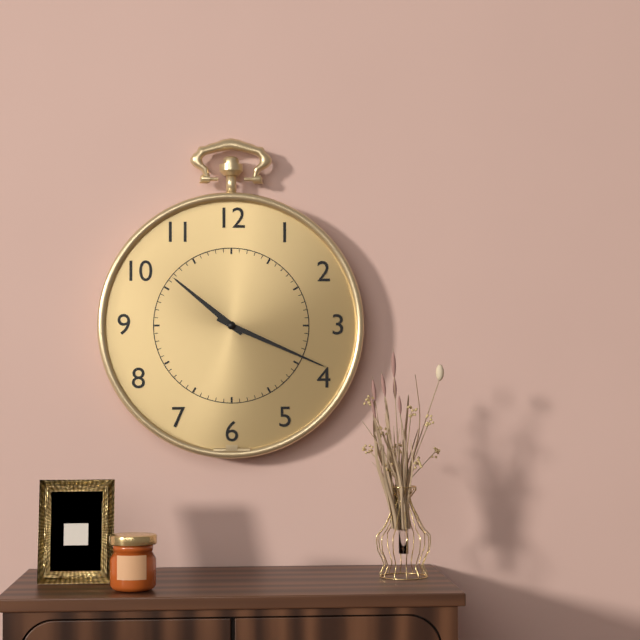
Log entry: **10:19**
